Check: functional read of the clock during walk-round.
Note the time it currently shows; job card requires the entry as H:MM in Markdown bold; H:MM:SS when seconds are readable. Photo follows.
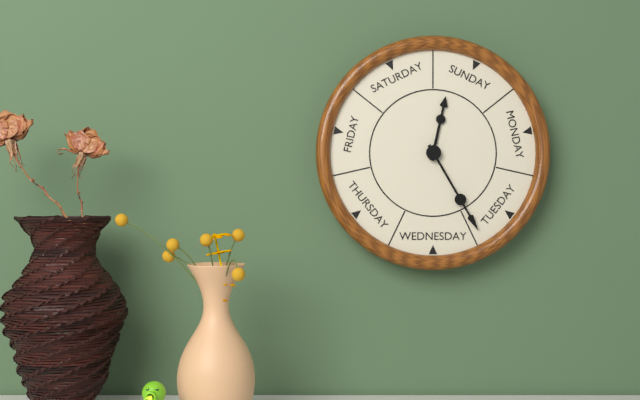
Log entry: **12:25**
